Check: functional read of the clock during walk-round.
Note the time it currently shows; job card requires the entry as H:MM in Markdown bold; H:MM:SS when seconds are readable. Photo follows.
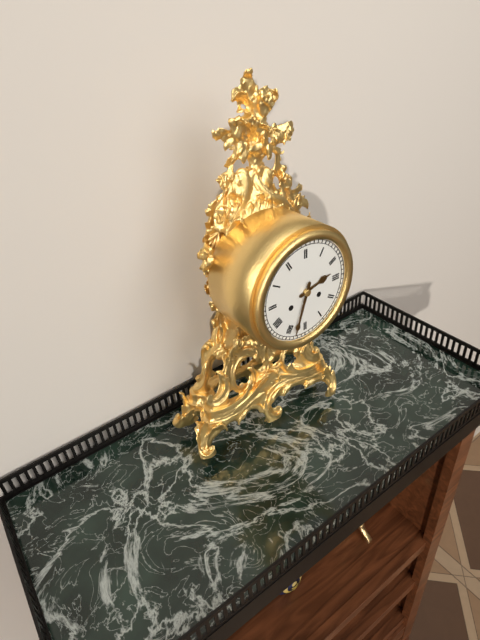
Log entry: **2:33**
